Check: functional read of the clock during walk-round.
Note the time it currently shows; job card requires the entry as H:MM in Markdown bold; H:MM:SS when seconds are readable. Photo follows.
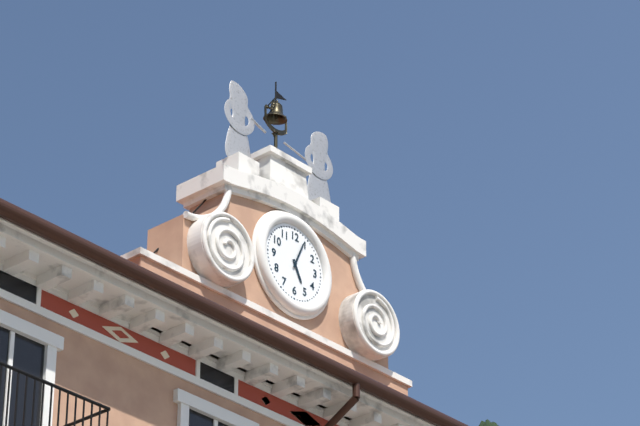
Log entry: **5:04**
